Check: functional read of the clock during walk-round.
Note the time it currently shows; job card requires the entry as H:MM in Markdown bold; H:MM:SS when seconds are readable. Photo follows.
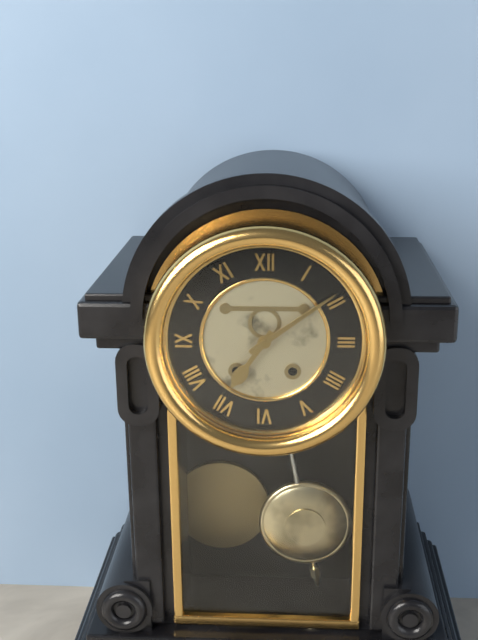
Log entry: **7:09**
